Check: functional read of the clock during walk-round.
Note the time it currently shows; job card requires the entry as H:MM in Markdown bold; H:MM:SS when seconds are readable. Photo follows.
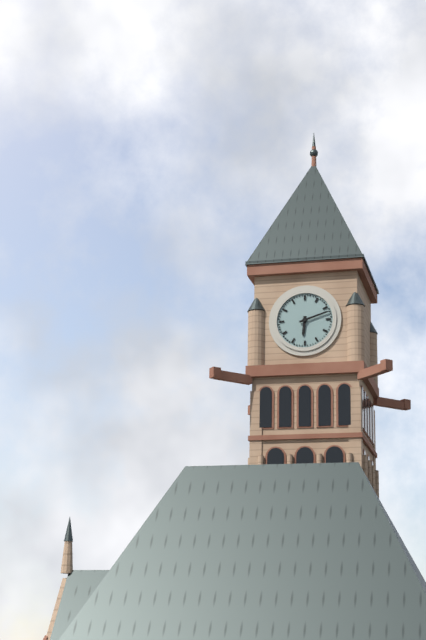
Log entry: **6:12**
